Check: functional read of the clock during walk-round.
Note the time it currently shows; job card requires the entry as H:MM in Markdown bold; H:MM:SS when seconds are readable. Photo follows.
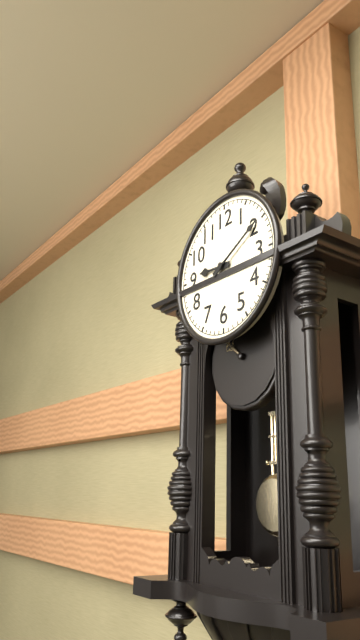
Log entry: **9:10**
